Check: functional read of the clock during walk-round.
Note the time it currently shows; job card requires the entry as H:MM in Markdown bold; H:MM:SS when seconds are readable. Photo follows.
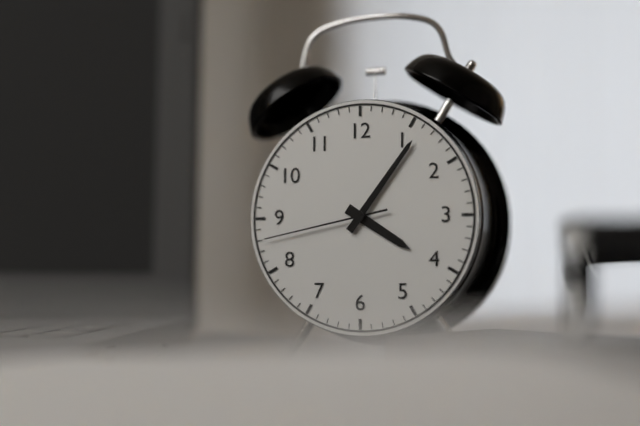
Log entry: **4:06:43**
